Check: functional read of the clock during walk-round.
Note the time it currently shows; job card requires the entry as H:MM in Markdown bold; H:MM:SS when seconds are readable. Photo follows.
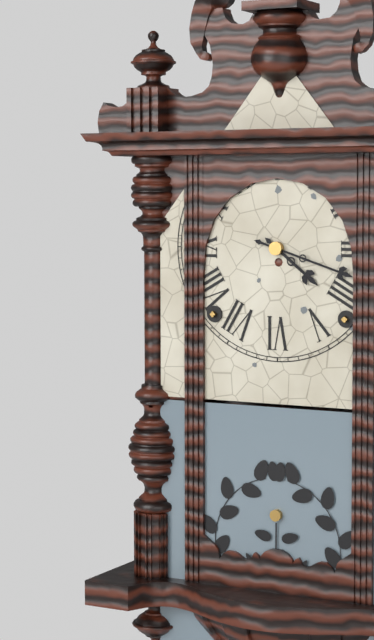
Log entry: **4:18**
